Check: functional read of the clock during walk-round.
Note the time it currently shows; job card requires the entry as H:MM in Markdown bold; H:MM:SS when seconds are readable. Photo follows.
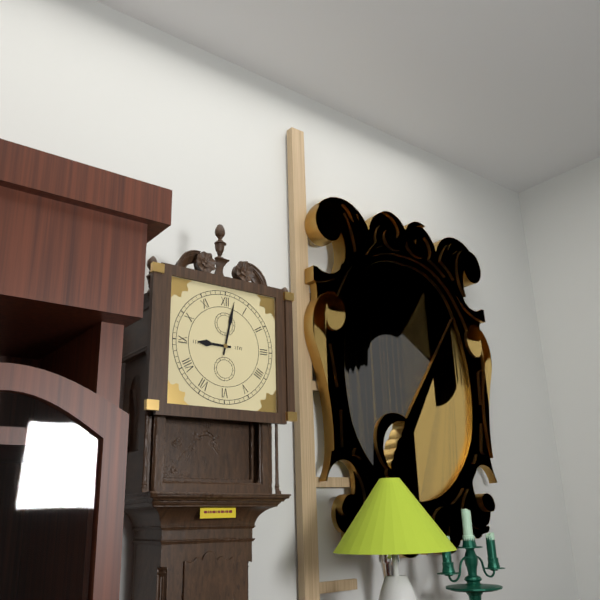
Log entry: **9:02**
